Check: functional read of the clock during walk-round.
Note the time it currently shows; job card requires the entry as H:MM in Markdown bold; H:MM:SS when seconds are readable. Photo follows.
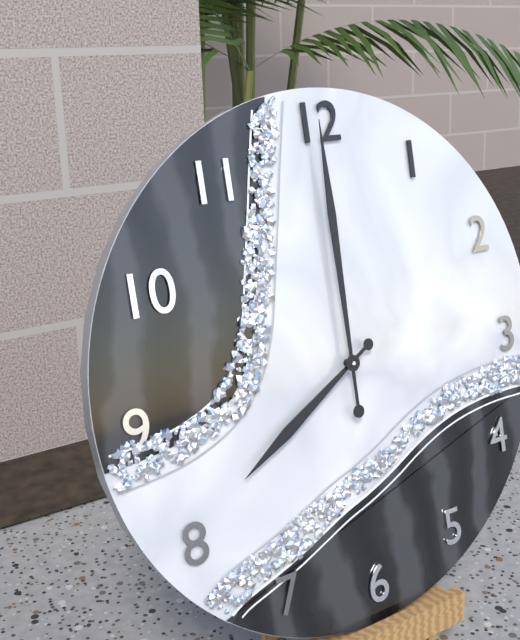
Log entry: **8:00**
